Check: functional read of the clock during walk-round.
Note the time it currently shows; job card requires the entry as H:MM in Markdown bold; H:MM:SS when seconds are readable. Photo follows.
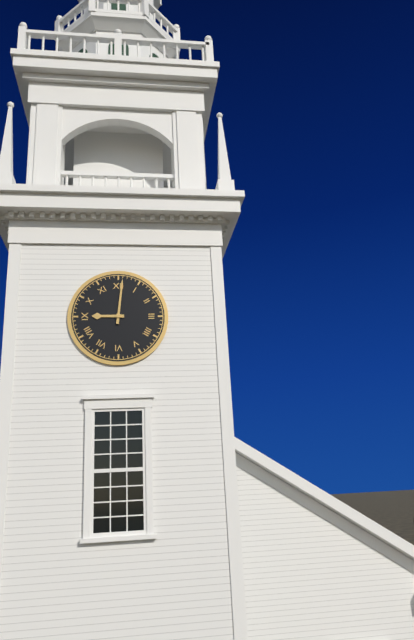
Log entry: **9:01**
